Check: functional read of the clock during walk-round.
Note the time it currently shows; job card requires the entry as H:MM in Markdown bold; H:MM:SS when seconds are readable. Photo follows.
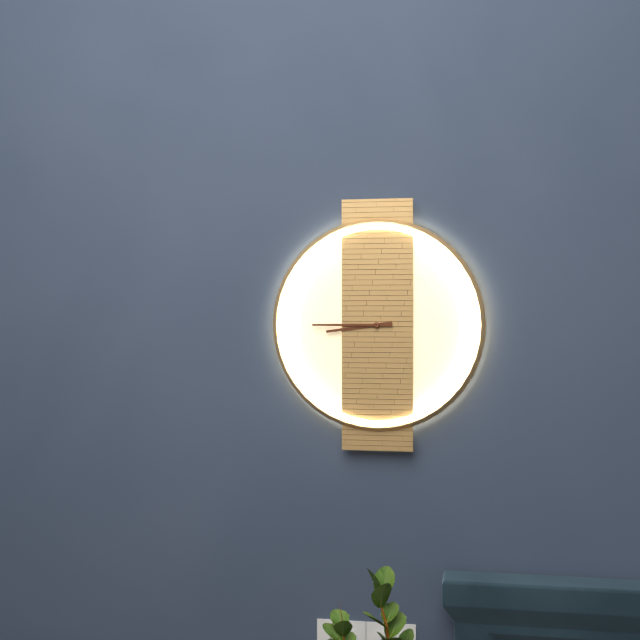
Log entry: **8:45**
